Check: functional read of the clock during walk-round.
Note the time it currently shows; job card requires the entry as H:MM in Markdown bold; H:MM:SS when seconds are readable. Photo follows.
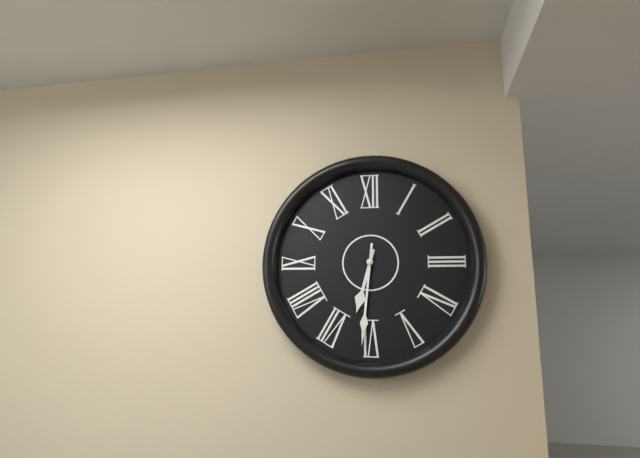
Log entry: **6:31**
